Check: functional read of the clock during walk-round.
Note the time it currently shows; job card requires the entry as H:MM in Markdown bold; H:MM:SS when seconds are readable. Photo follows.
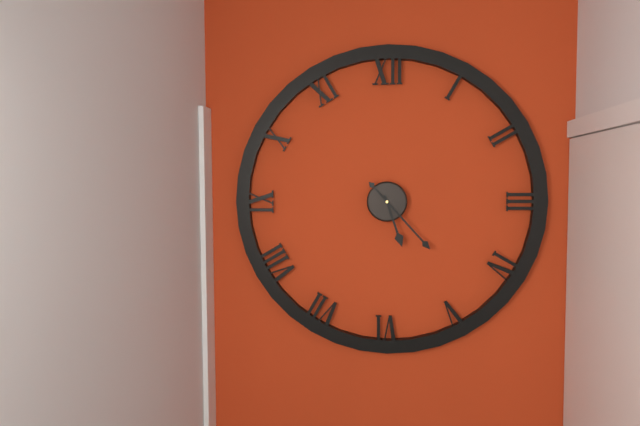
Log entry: **5:23**
